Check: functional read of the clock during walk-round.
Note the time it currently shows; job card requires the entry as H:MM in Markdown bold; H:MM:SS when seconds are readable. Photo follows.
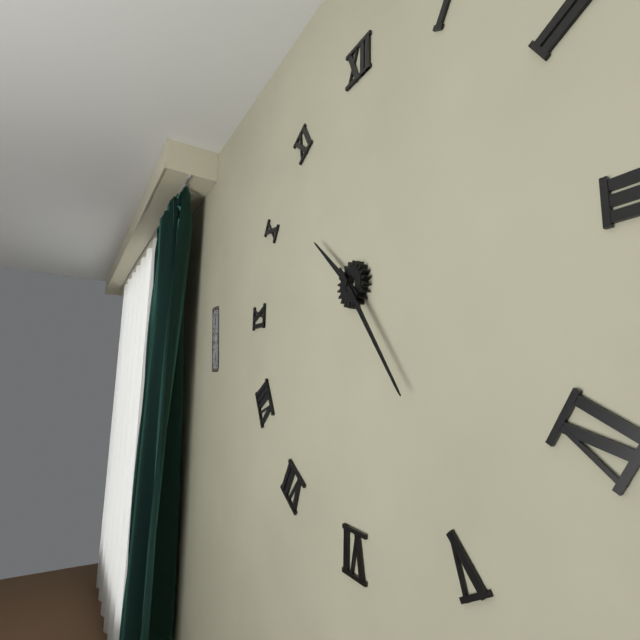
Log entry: **10:24**
